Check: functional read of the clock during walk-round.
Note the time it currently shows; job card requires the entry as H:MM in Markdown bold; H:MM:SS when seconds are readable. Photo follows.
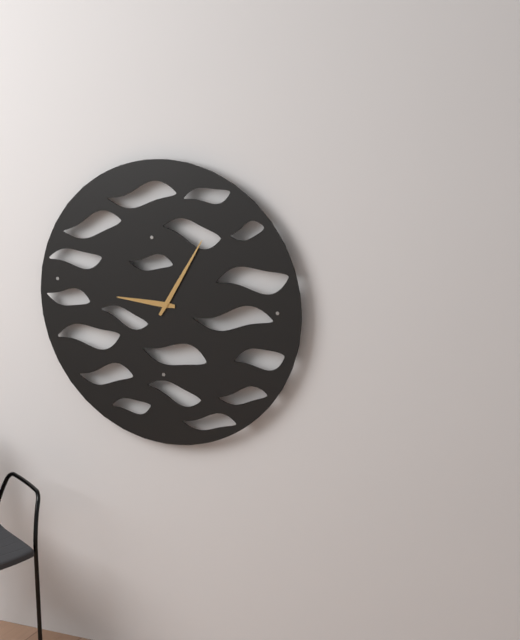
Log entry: **9:05**
